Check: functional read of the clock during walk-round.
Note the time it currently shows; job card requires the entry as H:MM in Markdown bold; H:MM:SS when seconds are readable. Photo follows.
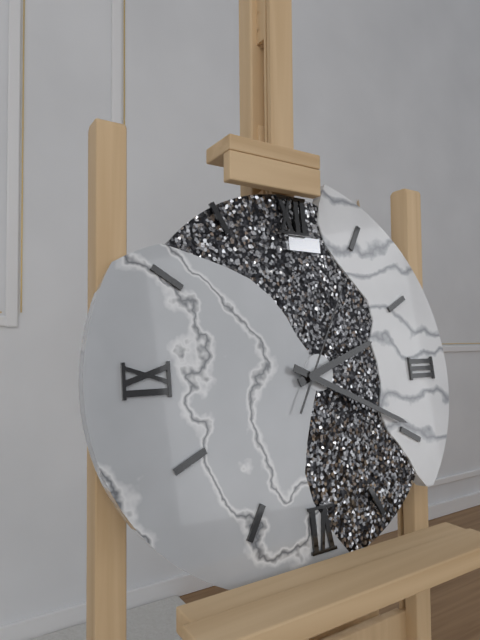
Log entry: **2:19:05**
